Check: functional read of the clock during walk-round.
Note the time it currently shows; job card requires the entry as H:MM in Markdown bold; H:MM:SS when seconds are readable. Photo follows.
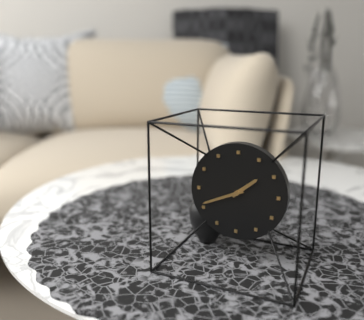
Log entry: **1:41**
